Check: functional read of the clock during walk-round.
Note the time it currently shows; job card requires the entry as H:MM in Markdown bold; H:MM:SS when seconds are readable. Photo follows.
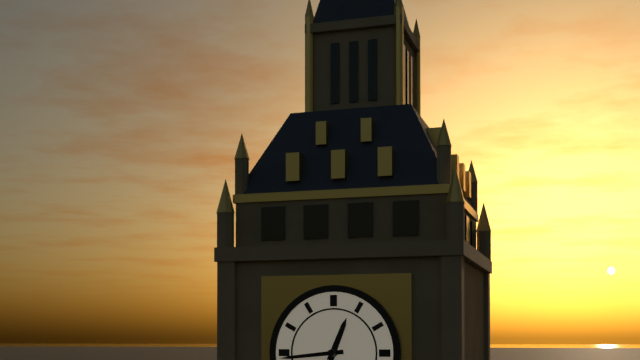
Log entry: **12:44**
